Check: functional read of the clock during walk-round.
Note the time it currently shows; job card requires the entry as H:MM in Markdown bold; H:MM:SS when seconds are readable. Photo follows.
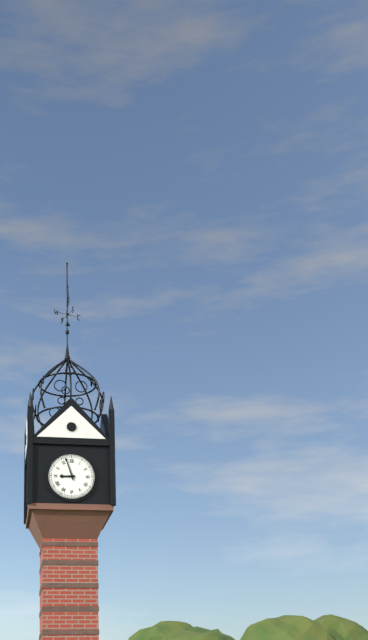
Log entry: **8:57**
